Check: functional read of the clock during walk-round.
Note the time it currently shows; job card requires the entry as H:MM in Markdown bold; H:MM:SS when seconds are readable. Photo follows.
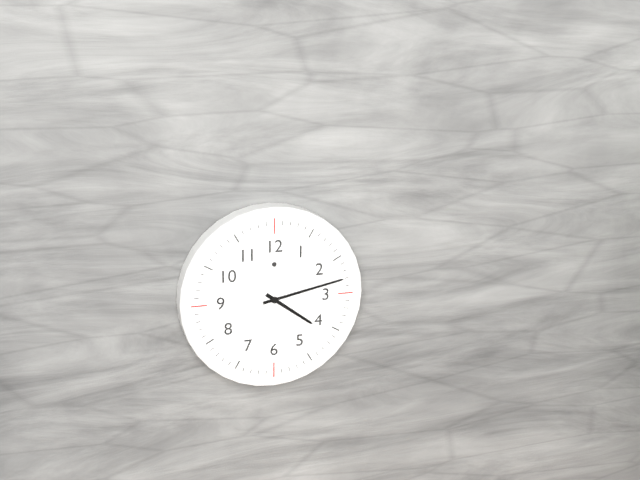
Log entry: **4:13**
